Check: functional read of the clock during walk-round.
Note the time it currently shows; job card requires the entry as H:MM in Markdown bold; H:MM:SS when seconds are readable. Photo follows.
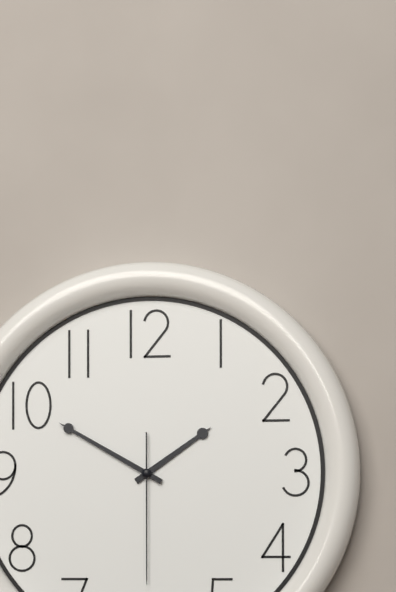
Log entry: **1:50:30**
